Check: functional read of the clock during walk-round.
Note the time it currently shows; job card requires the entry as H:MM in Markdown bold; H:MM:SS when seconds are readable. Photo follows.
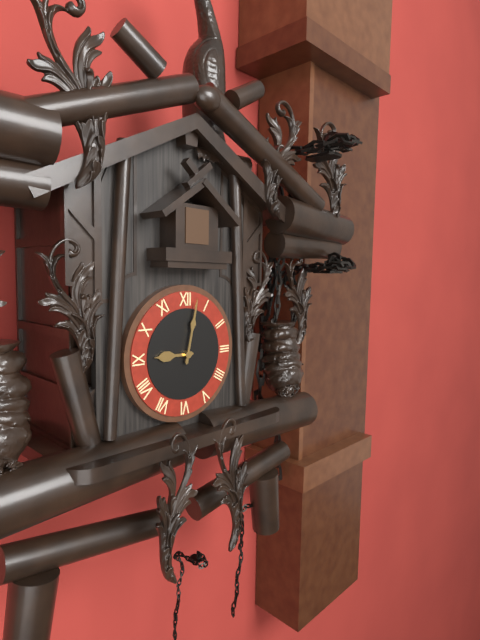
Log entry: **9:02**
